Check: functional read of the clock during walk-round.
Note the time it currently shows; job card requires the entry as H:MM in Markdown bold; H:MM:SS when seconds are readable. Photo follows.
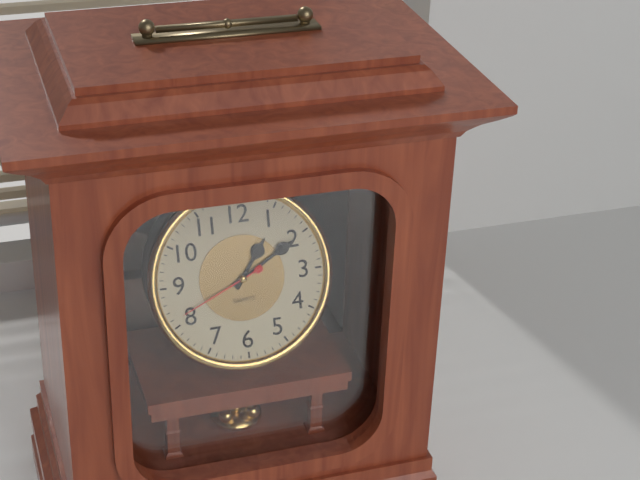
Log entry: **1:10:41**
